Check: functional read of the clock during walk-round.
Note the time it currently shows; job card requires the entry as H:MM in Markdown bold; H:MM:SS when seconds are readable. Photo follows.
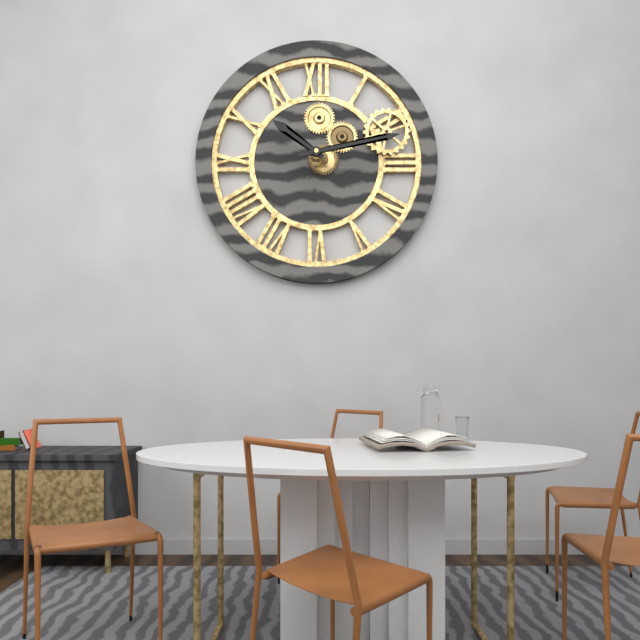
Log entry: **10:13**
